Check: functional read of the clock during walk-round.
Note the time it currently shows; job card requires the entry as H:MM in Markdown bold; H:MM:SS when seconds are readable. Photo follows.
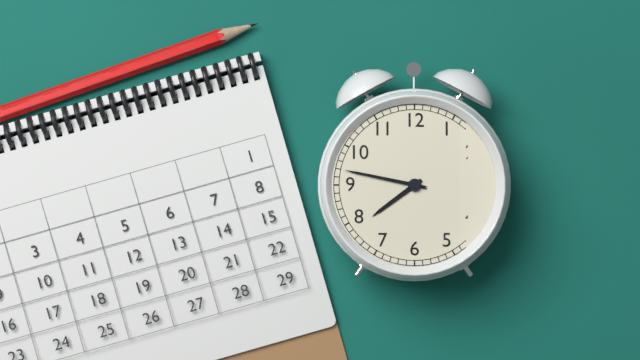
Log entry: **7:47**
